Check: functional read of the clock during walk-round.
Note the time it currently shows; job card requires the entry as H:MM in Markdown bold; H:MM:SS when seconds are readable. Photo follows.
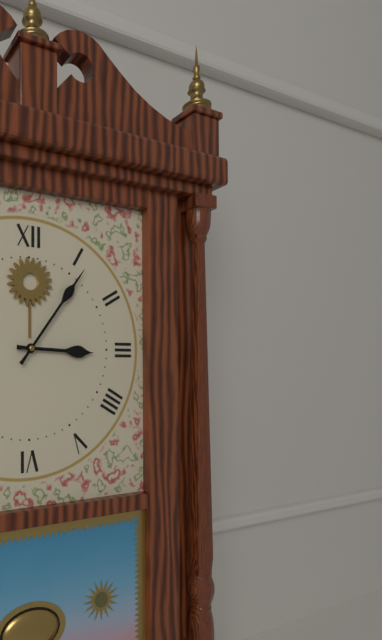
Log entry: **3:06**
